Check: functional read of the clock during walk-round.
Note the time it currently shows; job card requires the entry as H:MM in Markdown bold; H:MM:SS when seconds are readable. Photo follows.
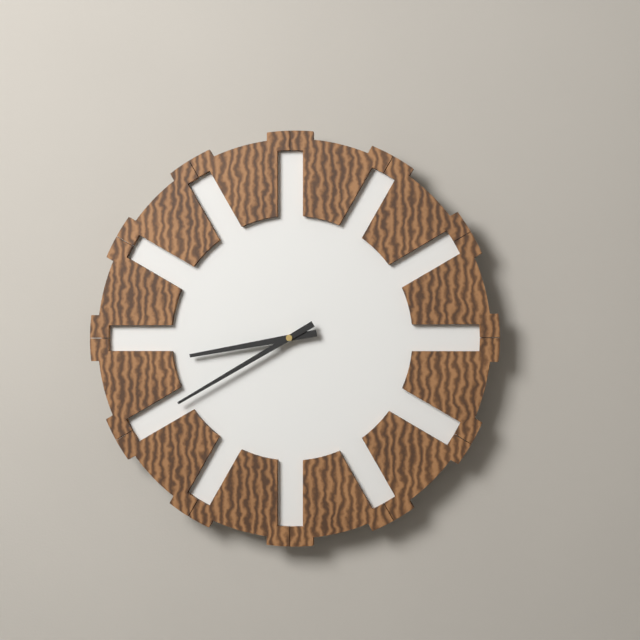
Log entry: **8:40**
